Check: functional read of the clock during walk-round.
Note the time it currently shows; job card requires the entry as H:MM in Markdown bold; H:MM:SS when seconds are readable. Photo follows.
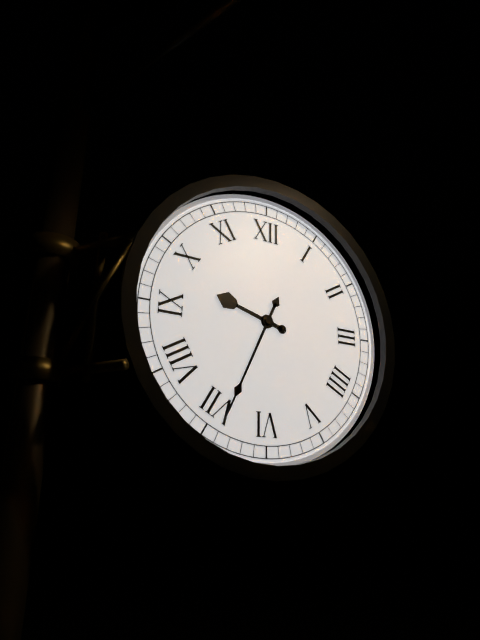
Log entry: **9:34**
